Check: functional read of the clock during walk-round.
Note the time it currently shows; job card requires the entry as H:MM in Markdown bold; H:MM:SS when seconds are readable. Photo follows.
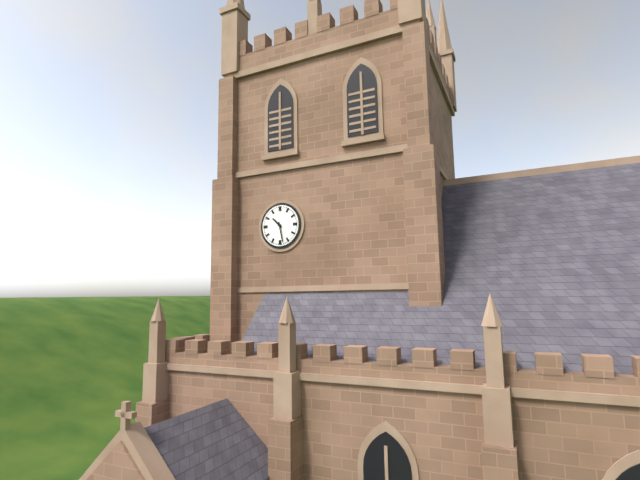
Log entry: **10:28**
